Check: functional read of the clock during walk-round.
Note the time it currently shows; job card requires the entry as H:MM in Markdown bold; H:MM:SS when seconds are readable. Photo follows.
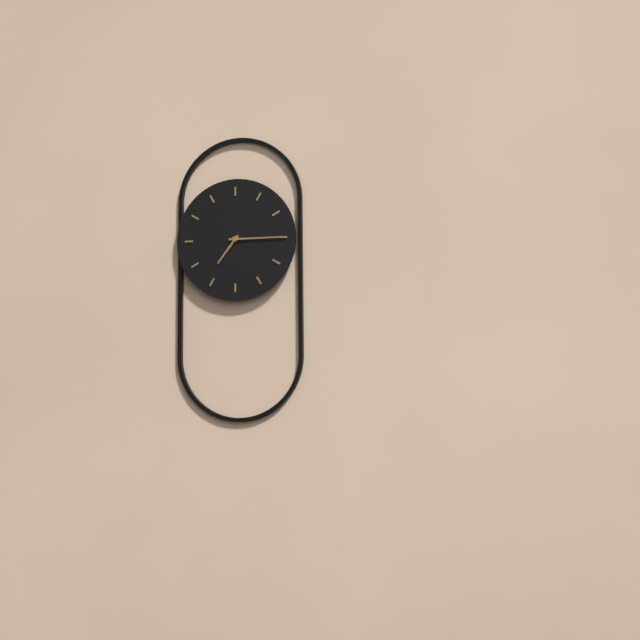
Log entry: **7:15**
